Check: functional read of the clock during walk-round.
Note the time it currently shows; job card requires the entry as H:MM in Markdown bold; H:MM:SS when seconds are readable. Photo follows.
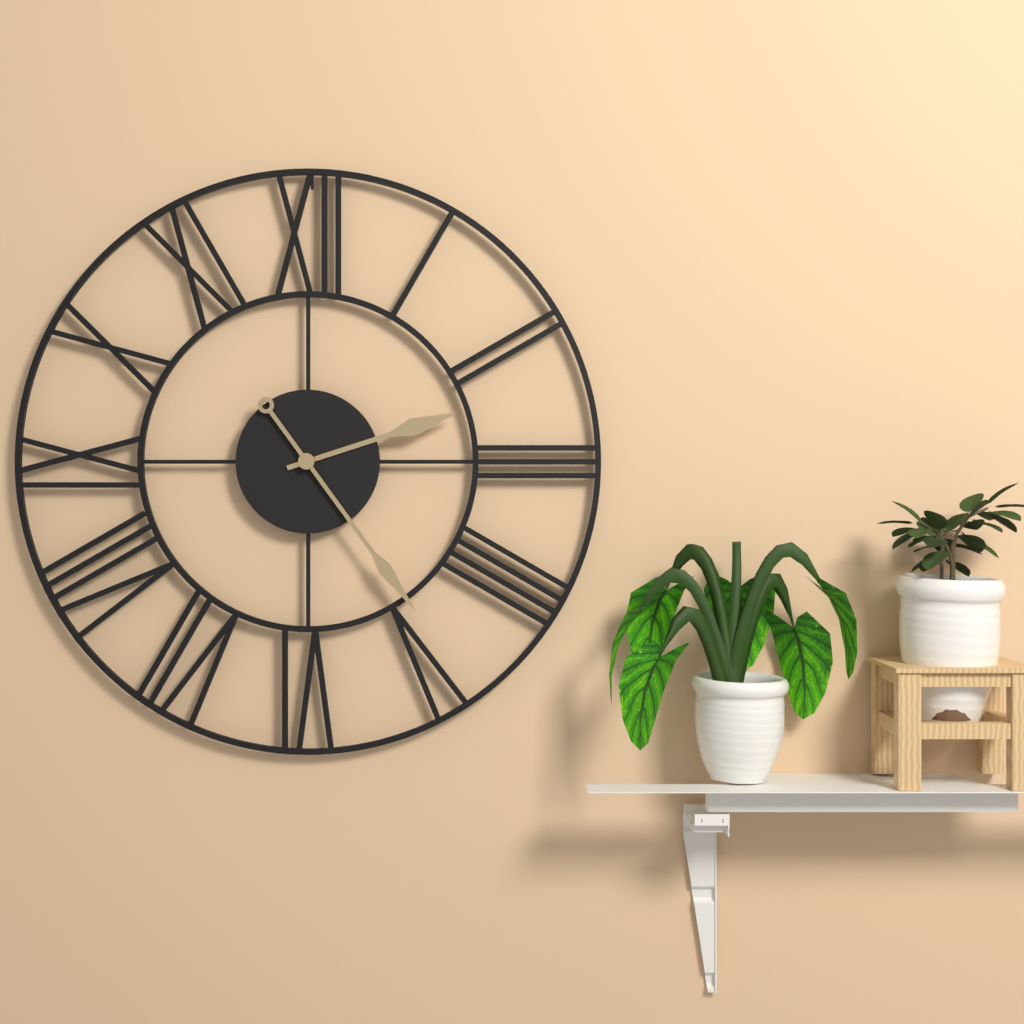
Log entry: **2:24**
